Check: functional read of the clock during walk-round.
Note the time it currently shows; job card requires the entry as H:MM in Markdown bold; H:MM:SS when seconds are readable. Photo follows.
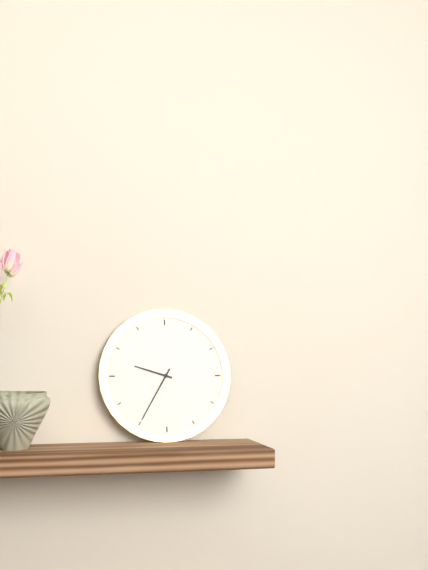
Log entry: **9:35**
